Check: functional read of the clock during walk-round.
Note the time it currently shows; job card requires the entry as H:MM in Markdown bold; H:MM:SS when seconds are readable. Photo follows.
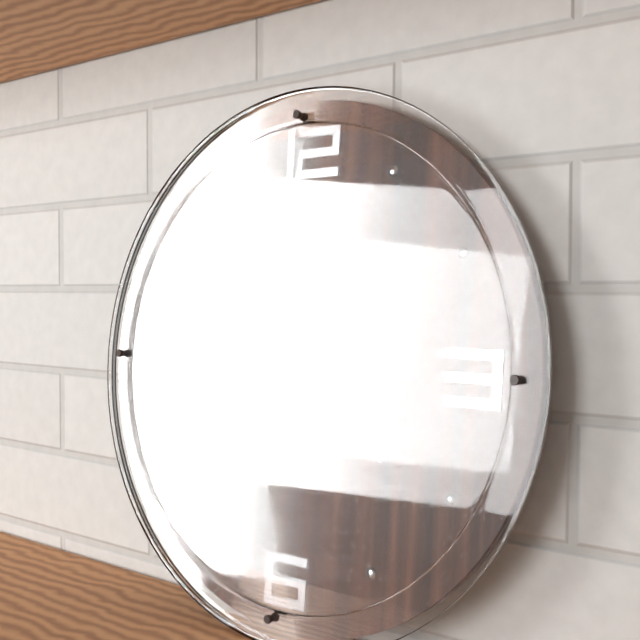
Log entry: **8:42:21**
